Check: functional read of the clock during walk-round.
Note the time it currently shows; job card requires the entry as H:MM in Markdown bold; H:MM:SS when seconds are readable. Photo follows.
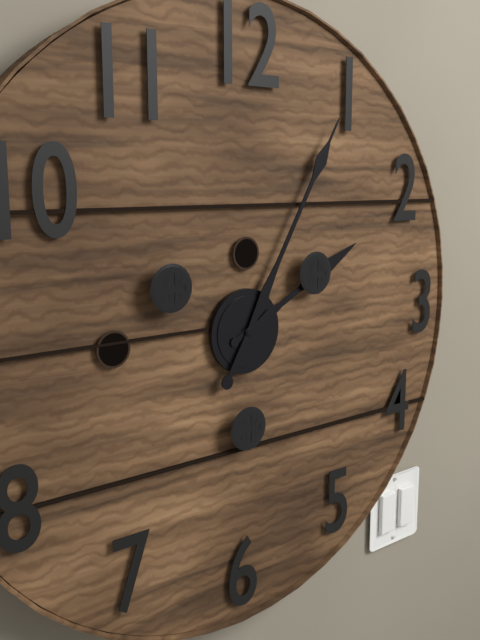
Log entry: **2:05**
